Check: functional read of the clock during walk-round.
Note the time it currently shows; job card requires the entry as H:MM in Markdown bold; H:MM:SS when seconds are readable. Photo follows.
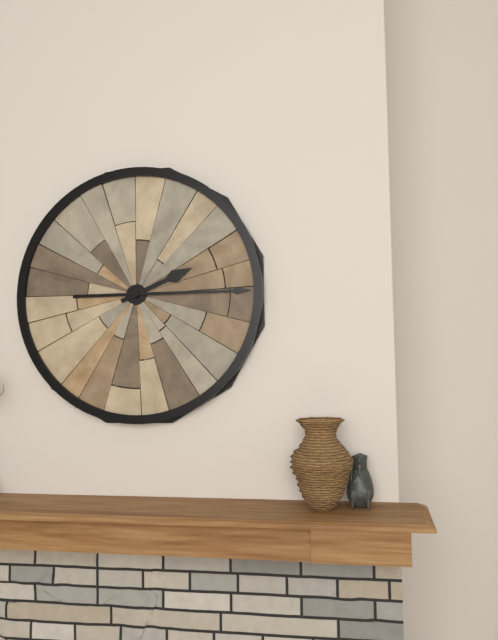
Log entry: **2:15**
